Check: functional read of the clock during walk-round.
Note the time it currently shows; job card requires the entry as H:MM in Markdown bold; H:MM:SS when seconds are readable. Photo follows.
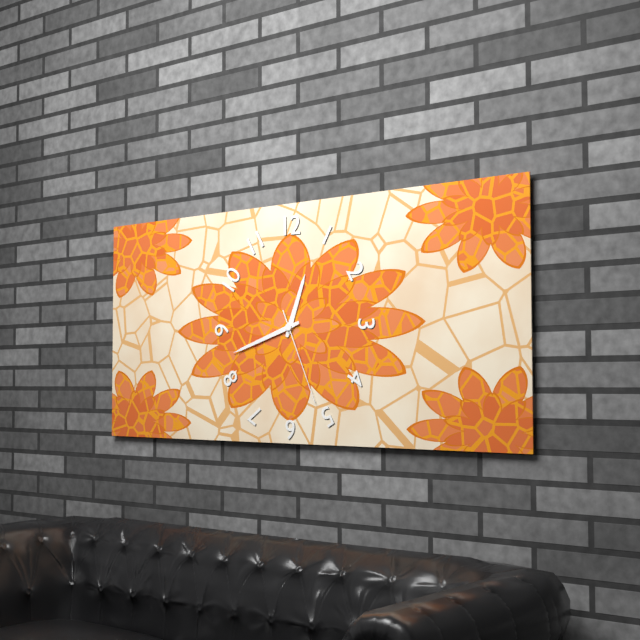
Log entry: **12:42:26**
